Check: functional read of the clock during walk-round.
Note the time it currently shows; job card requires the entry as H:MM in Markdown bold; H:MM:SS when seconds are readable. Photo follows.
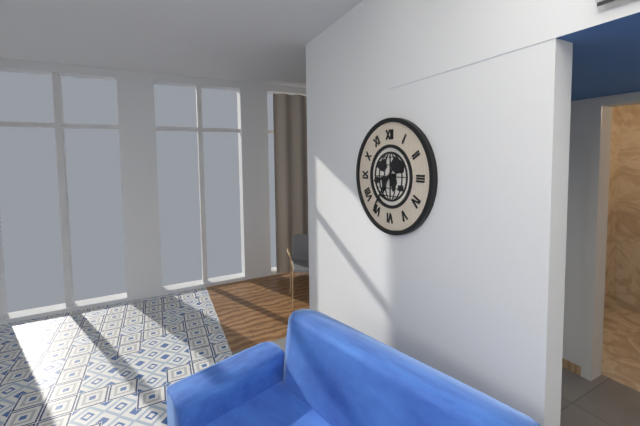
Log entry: **8:36**
